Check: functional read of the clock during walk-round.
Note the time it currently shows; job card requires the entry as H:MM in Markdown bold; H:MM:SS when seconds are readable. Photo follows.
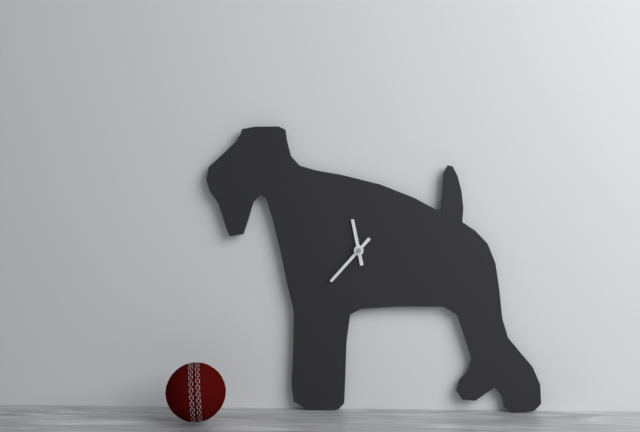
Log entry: **11:37**
